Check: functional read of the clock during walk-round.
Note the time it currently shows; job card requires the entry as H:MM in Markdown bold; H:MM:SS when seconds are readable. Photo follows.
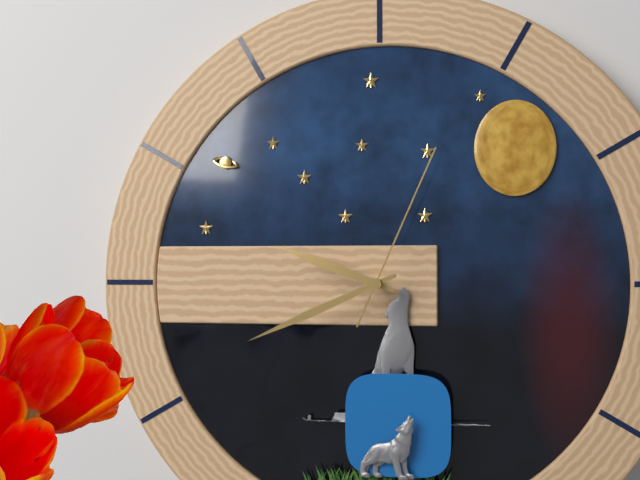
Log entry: **9:41:04**
